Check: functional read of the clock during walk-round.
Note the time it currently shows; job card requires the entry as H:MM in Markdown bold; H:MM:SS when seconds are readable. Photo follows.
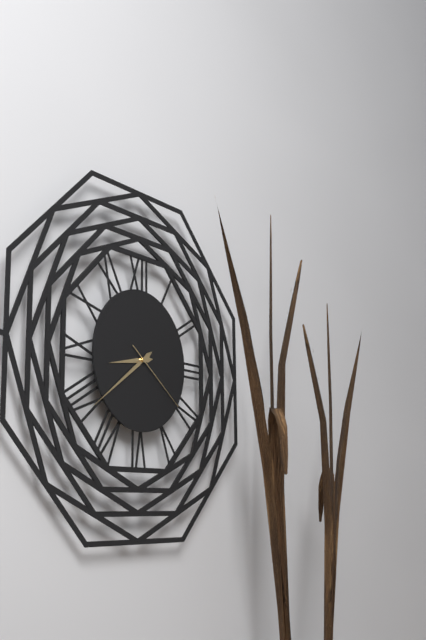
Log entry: **8:39:21**
